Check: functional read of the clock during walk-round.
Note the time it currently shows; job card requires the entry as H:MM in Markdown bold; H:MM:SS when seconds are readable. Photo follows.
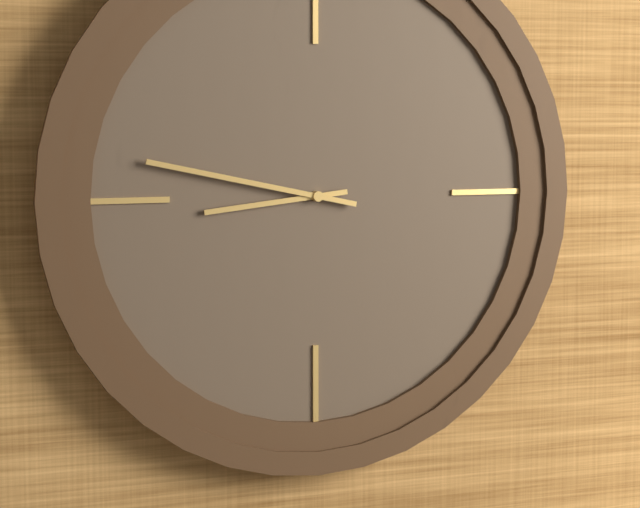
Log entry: **8:47**
